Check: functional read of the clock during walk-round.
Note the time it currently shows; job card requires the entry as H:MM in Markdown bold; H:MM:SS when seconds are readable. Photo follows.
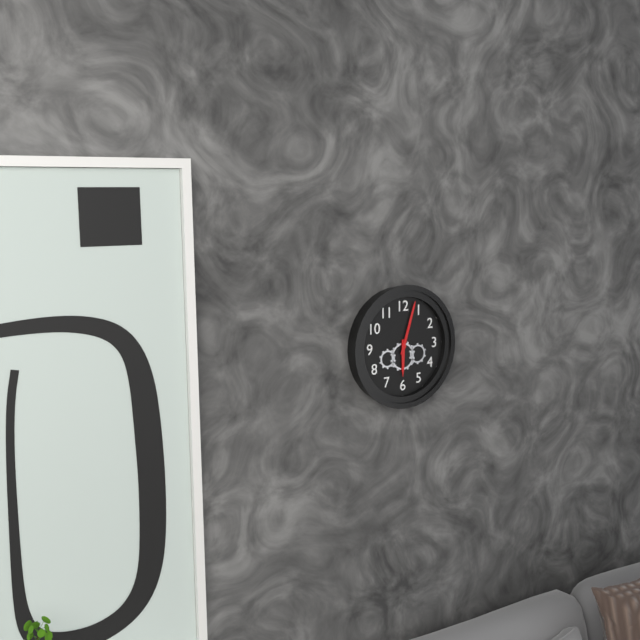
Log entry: **6:03**
